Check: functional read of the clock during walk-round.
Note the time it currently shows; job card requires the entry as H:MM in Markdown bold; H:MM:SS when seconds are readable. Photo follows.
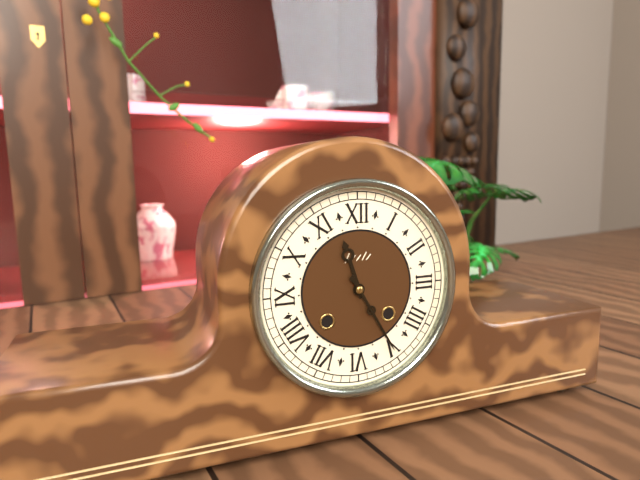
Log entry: **11:25**
